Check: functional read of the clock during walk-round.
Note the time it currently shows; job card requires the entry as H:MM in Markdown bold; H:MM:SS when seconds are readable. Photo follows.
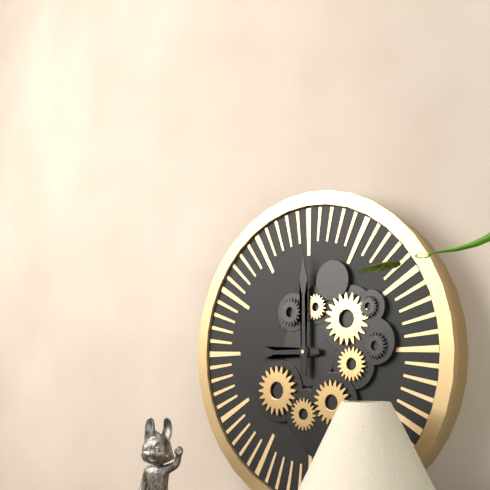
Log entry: **9:00**
